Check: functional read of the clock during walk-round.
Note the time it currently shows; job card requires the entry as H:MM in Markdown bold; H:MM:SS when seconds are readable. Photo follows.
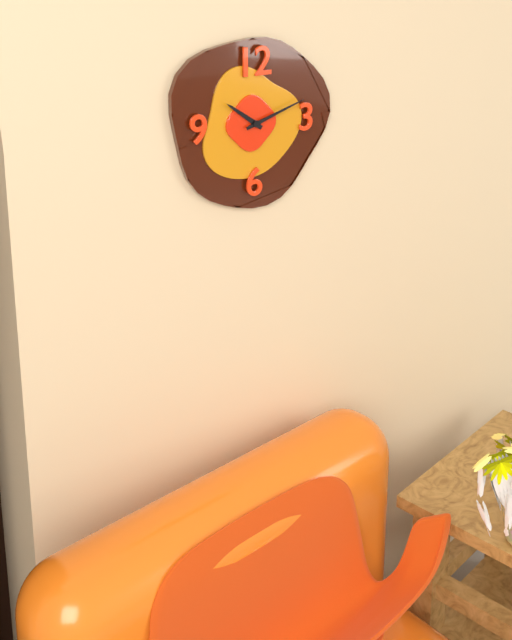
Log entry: **10:12**
